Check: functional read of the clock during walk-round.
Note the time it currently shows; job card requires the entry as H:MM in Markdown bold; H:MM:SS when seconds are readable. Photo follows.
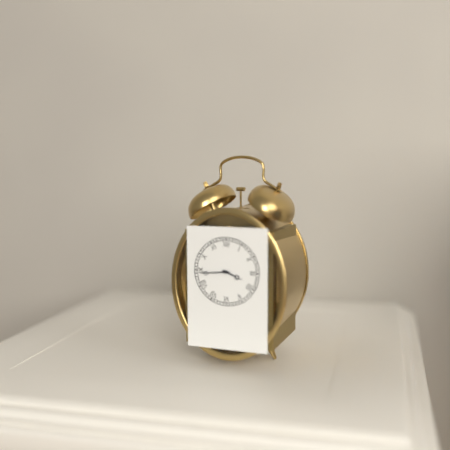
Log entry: **3:44**
